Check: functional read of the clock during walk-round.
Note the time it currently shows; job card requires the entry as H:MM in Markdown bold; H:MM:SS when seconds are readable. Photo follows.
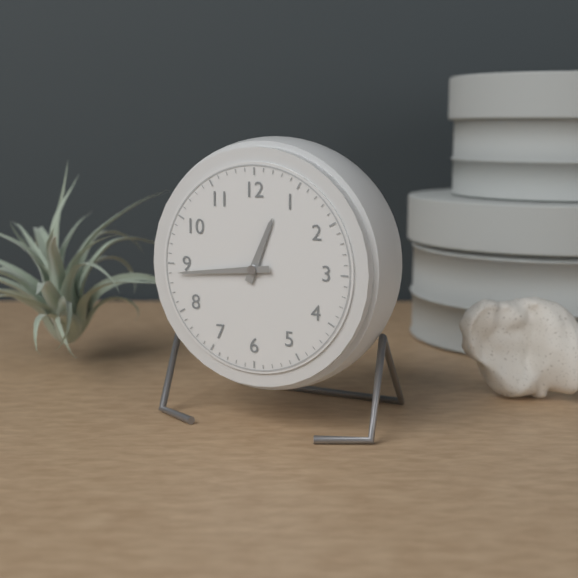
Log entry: **12:44**
